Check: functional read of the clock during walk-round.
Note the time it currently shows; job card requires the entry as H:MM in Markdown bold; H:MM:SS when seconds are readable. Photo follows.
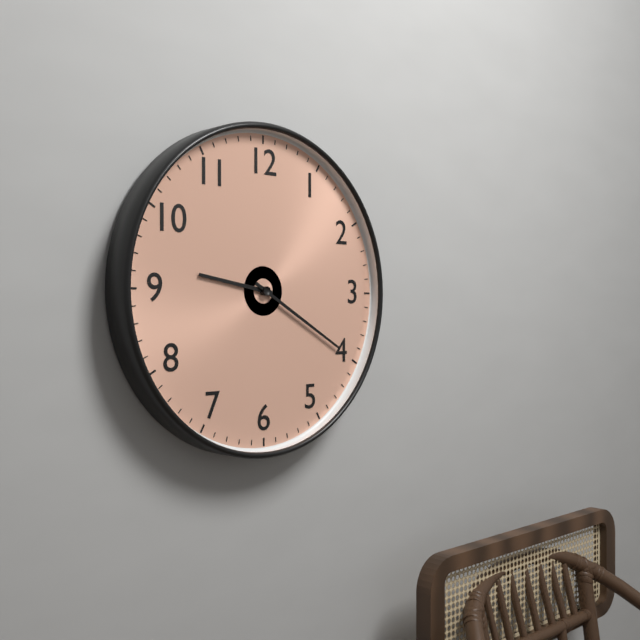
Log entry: **9:20**
